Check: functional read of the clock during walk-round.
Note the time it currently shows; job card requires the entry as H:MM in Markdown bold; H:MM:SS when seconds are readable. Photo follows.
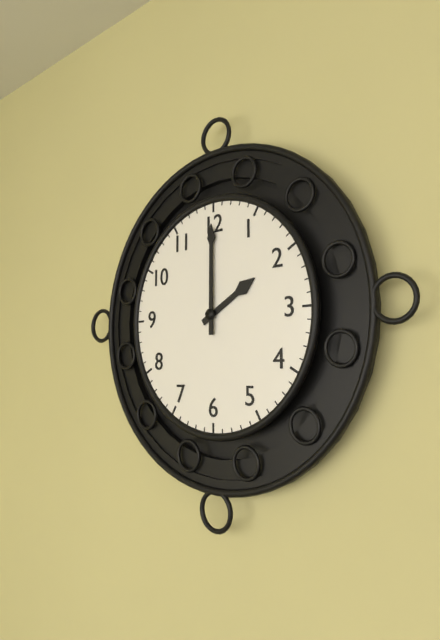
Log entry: **2:00**
